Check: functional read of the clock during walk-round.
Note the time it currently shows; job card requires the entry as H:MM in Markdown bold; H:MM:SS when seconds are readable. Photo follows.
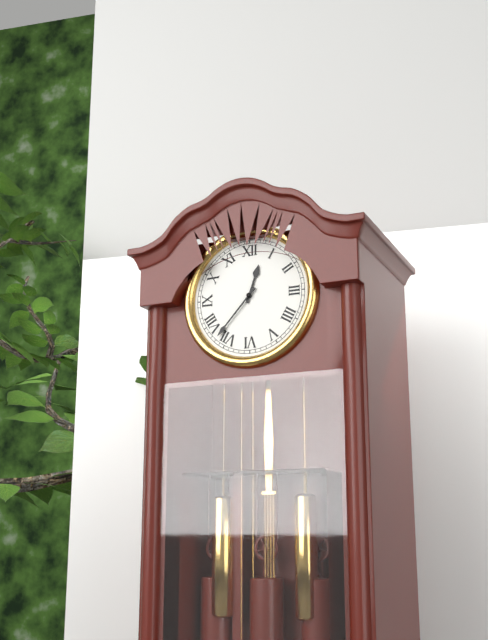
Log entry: **12:37**
